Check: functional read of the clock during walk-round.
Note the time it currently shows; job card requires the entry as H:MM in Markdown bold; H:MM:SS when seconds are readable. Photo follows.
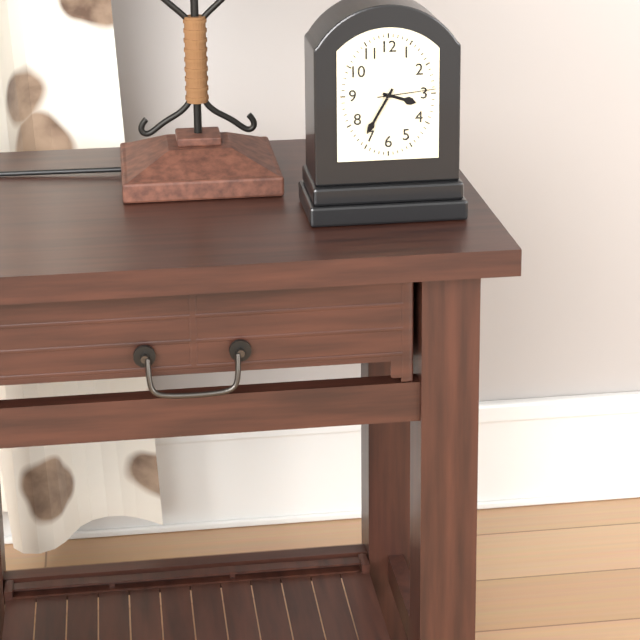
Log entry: **3:35:14**
